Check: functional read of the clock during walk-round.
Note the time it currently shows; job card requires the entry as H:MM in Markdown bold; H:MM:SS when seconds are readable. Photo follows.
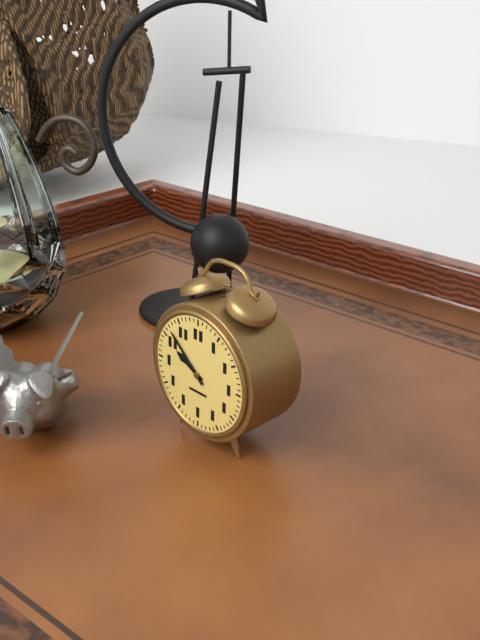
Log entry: **9:52**
